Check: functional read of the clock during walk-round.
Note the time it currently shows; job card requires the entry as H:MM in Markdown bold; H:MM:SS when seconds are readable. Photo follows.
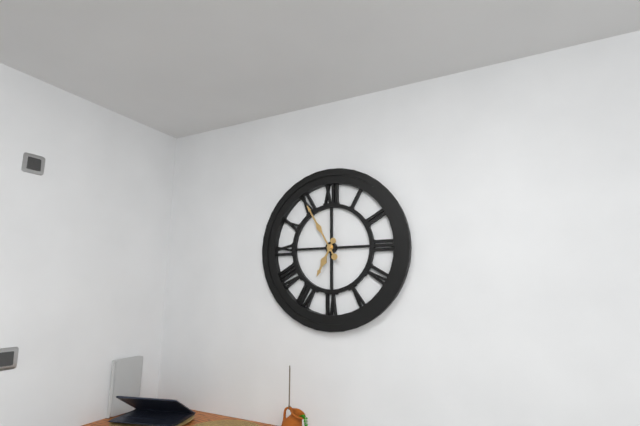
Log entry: **6:55**
